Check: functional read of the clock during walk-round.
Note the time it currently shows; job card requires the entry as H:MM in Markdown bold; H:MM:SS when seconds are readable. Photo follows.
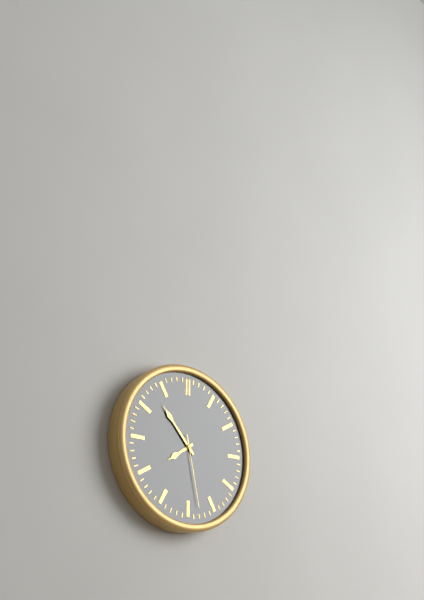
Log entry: **7:53:28**
